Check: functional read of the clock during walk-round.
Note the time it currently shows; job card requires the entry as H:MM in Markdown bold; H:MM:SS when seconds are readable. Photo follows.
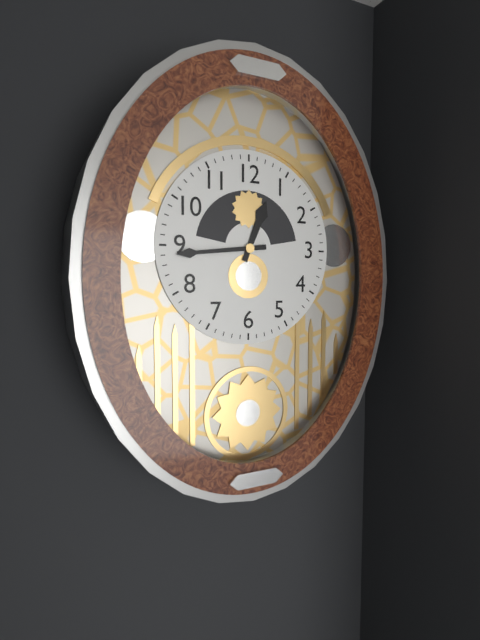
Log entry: **12:44**
